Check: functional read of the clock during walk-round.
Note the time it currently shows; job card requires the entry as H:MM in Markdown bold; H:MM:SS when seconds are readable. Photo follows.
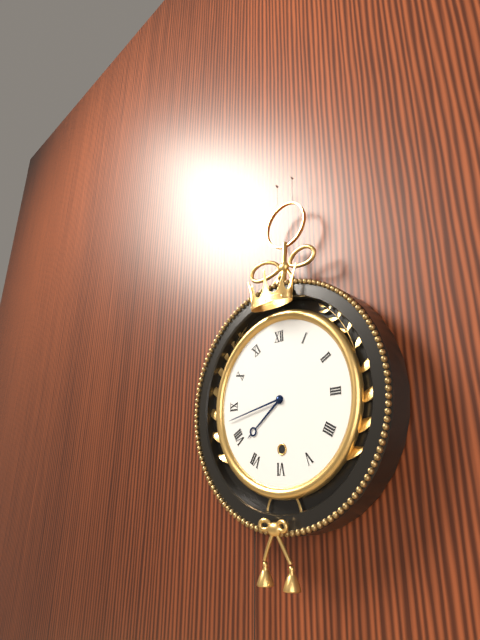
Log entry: **7:43**
